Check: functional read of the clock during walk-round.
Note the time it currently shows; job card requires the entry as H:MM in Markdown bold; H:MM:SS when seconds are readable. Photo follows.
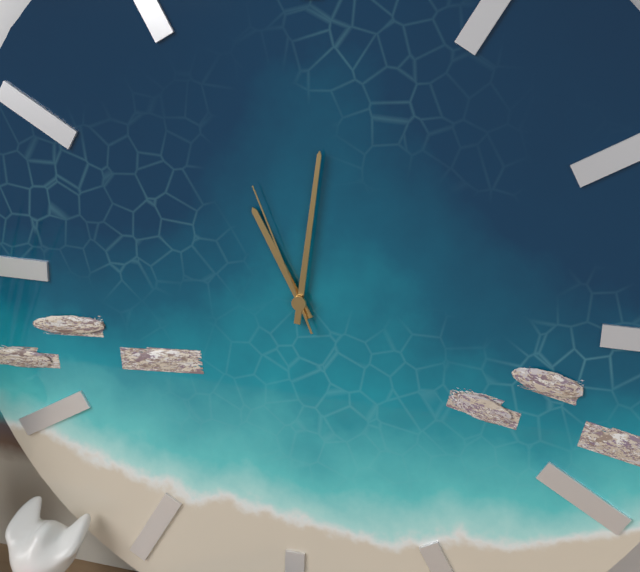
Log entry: **11:01:56**
